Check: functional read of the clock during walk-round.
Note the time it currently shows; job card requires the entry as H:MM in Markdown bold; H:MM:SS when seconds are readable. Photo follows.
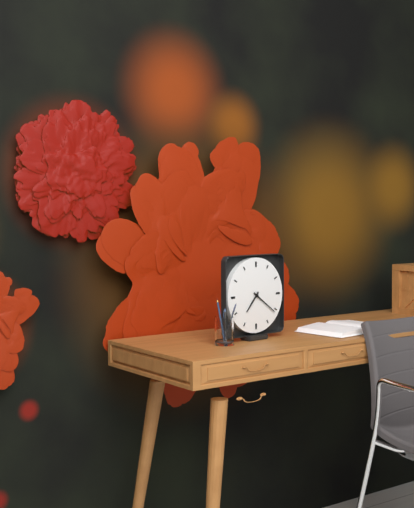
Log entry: **7:21**
